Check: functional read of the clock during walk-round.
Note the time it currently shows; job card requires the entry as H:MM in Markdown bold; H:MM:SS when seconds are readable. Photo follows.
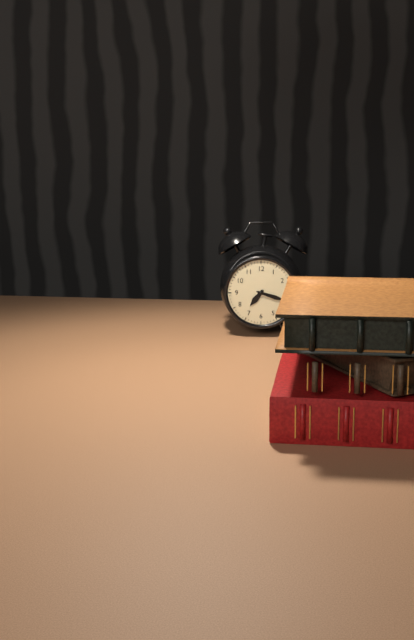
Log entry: **7:18**
